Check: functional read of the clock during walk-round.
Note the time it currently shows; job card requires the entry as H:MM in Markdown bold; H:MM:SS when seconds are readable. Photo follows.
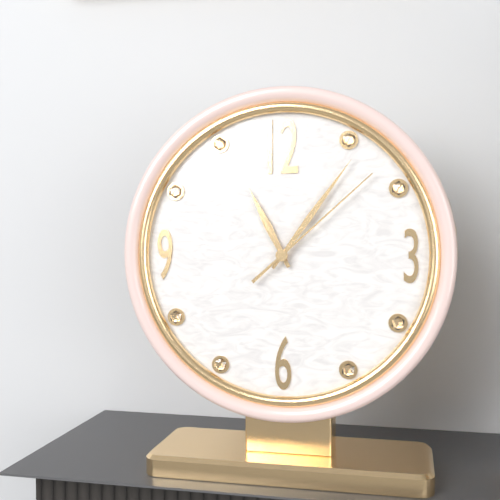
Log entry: **11:06:08**
